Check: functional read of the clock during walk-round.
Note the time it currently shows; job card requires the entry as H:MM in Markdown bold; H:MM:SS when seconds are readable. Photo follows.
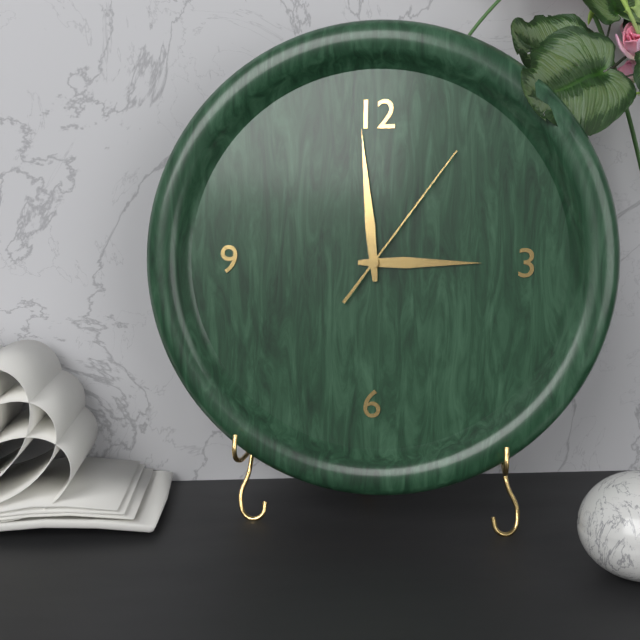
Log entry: **2:59:06**
